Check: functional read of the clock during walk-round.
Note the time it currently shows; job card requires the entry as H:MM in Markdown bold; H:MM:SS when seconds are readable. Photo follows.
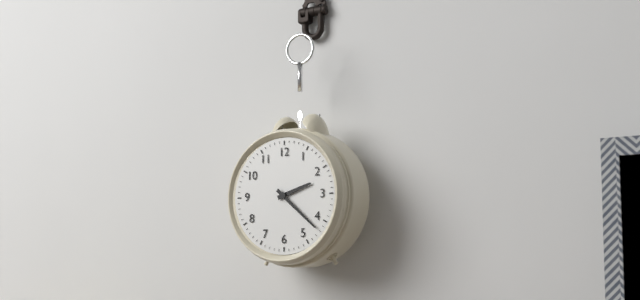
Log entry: **2:22**
